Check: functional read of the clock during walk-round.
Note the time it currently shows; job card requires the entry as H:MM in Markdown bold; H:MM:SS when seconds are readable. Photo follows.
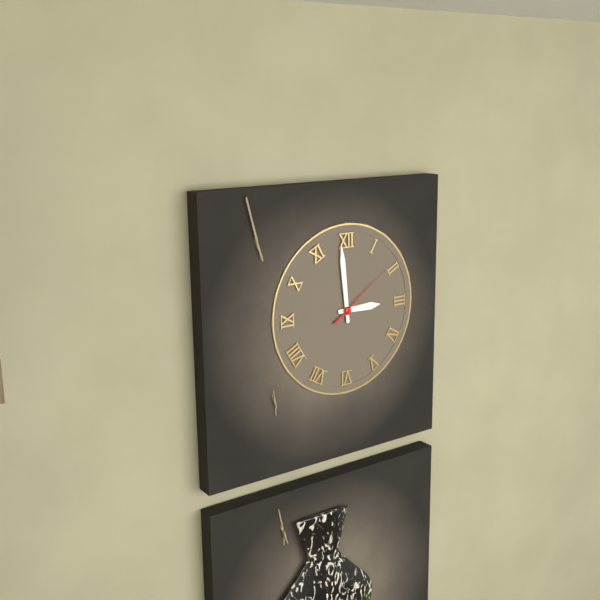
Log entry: **2:59:09**
